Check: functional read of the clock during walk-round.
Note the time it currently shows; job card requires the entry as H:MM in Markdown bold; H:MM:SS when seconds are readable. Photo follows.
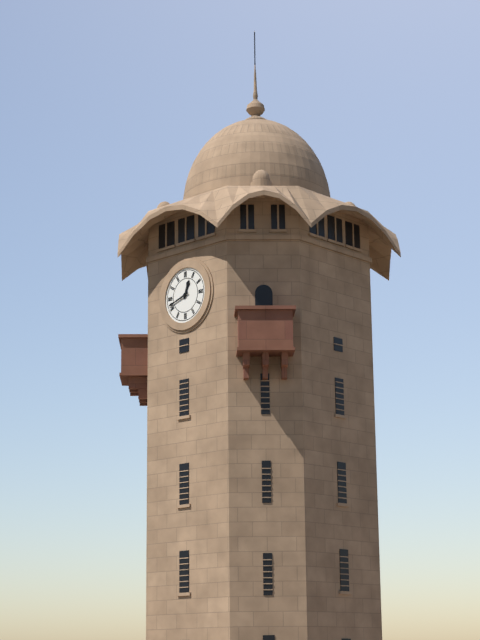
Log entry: **12:42**
